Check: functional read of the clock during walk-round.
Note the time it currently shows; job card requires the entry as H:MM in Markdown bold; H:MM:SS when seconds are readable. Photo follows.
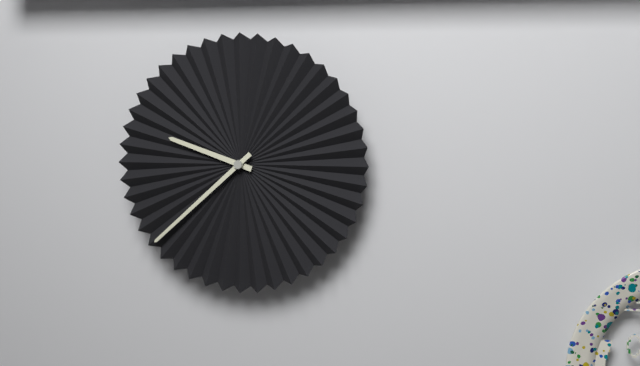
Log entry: **9:38**
